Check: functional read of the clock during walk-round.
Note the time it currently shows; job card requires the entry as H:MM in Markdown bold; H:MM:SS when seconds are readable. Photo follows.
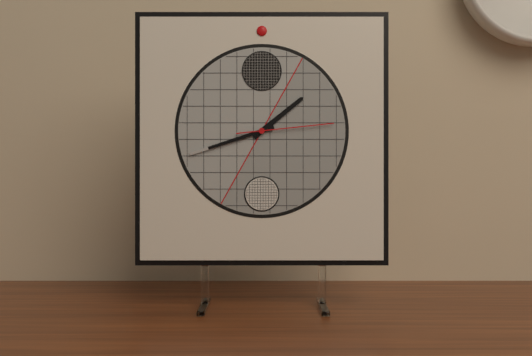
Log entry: **1:42:14**
